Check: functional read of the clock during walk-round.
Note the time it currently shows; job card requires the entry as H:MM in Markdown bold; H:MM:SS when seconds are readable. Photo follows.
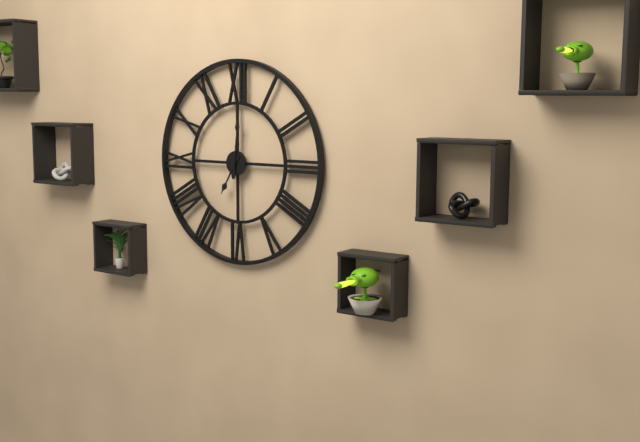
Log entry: **7:01**
